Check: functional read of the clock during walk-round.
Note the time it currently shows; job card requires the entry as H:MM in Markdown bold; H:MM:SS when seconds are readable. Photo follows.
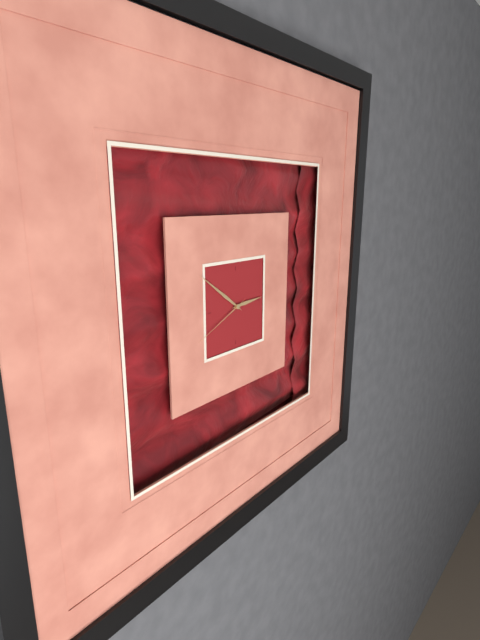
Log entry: **2:51:41**
